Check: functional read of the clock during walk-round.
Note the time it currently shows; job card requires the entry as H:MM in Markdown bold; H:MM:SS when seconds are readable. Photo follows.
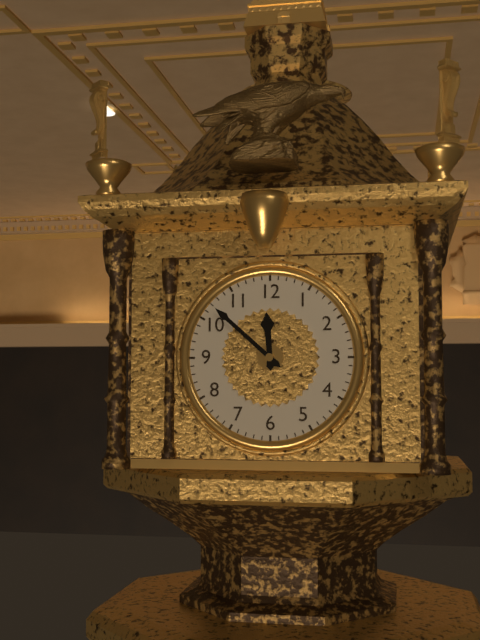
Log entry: **11:52**
